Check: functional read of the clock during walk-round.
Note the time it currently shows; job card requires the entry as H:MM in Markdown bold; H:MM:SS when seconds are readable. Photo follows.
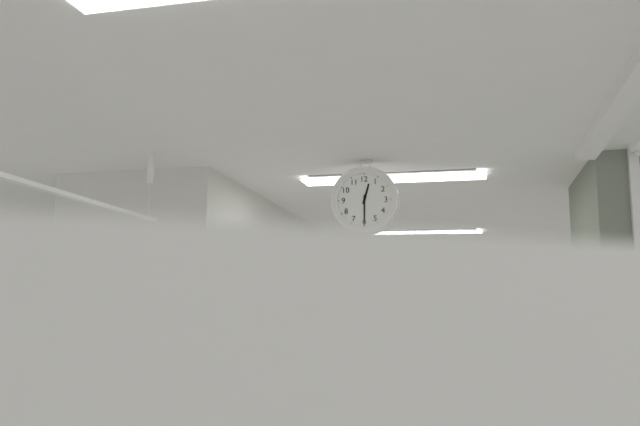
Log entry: **12:30**
